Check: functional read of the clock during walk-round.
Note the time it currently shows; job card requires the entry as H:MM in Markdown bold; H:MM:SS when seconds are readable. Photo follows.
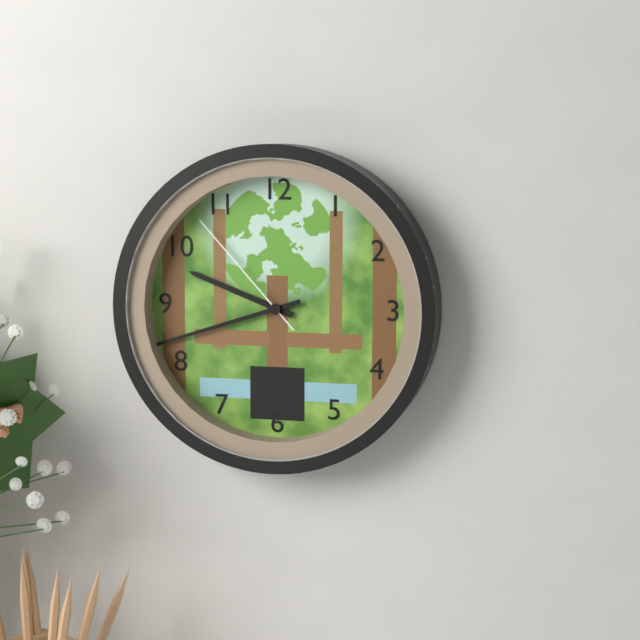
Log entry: **9:42:53**
